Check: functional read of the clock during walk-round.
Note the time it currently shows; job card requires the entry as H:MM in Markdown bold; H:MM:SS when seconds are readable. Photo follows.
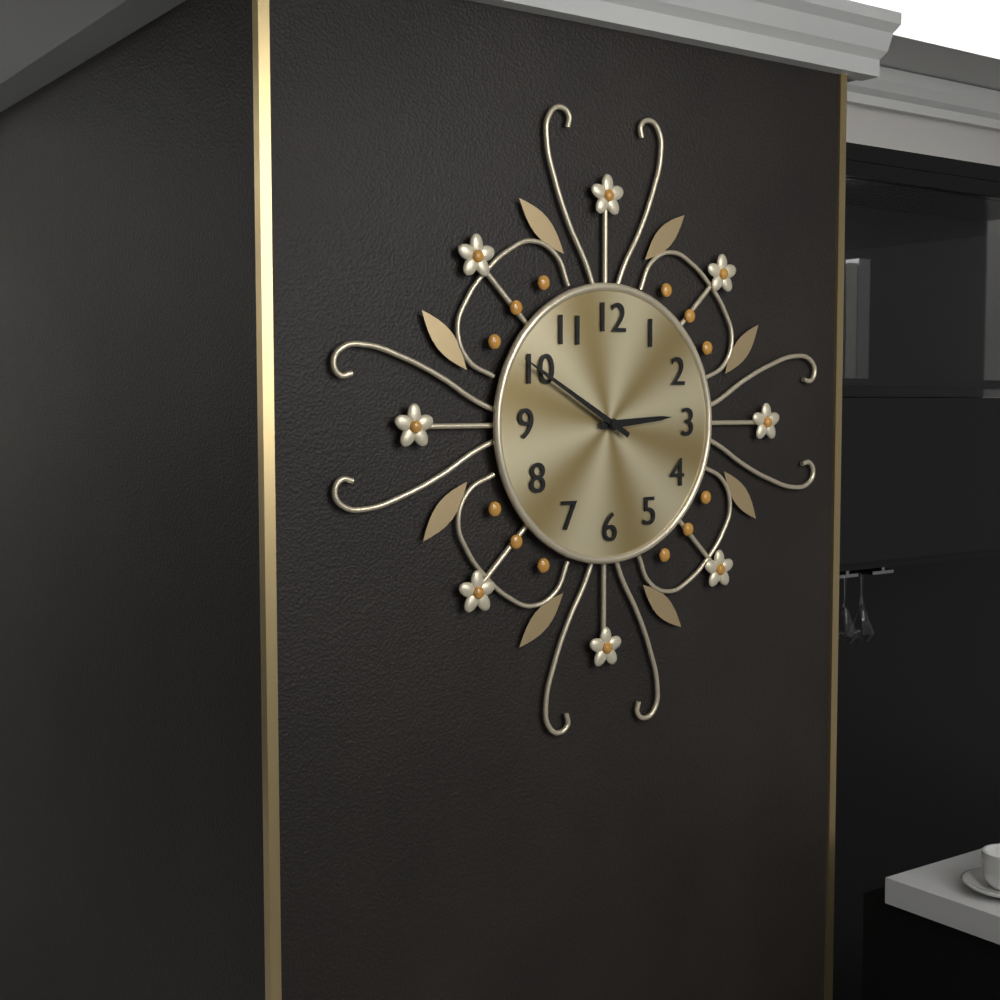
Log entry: **2:50**
